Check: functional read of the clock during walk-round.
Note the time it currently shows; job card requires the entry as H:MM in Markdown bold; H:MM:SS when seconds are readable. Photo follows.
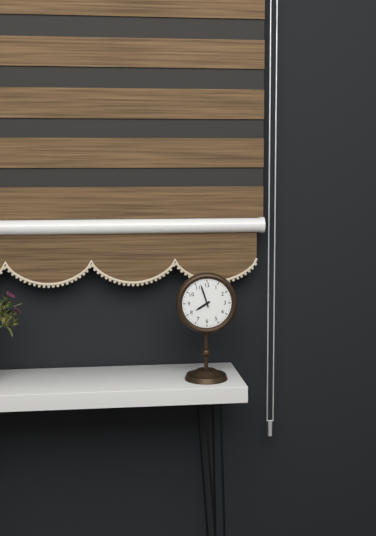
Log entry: **7:57**
